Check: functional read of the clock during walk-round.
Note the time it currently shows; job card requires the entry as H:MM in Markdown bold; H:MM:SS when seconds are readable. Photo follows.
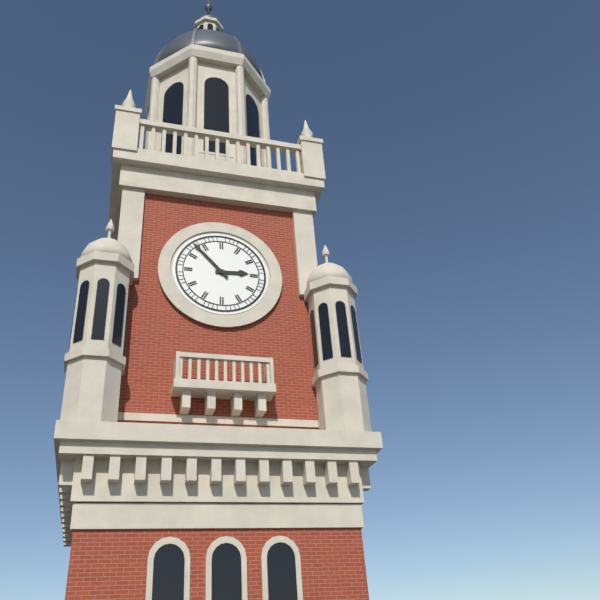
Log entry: **2:53**
